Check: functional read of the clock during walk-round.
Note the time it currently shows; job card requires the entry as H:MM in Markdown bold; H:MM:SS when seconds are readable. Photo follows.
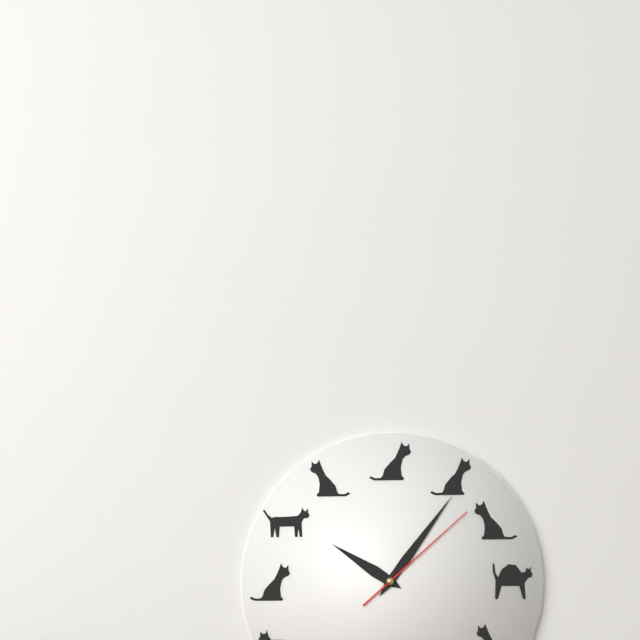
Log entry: **10:06:08**
